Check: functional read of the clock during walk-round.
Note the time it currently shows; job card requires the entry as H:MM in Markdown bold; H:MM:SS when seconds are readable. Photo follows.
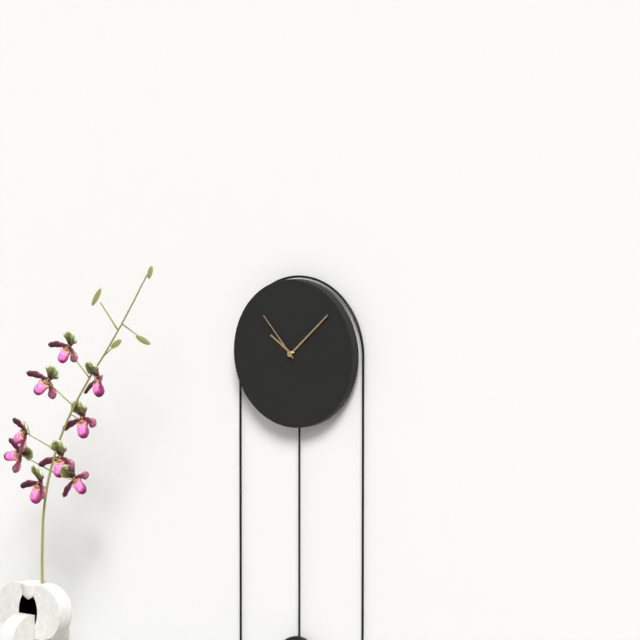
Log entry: **10:08:53**
